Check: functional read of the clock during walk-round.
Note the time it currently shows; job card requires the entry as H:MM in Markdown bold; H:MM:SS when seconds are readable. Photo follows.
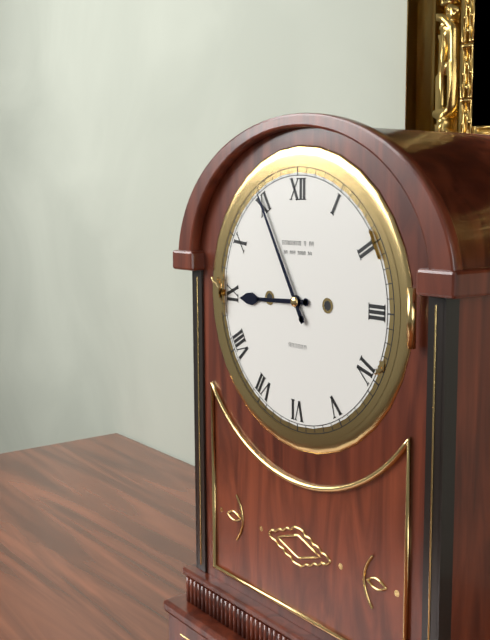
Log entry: **8:55**
